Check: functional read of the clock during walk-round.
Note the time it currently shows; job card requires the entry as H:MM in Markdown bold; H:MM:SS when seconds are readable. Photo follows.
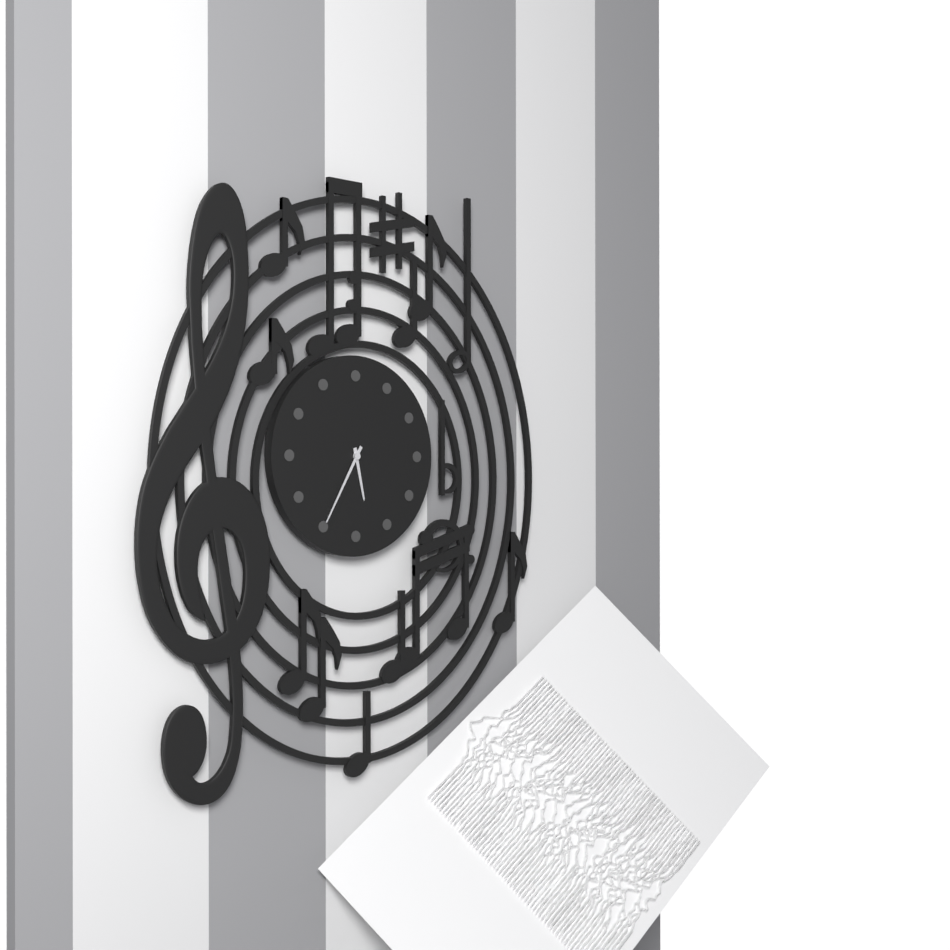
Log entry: **5:35**
